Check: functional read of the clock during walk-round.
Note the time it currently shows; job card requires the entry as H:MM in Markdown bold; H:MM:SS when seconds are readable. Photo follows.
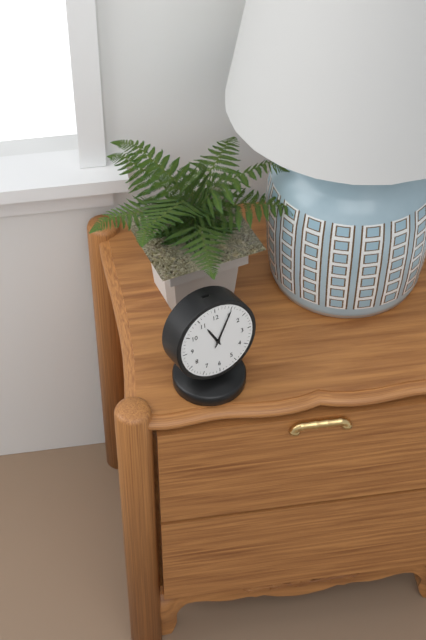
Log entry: **11:05**
